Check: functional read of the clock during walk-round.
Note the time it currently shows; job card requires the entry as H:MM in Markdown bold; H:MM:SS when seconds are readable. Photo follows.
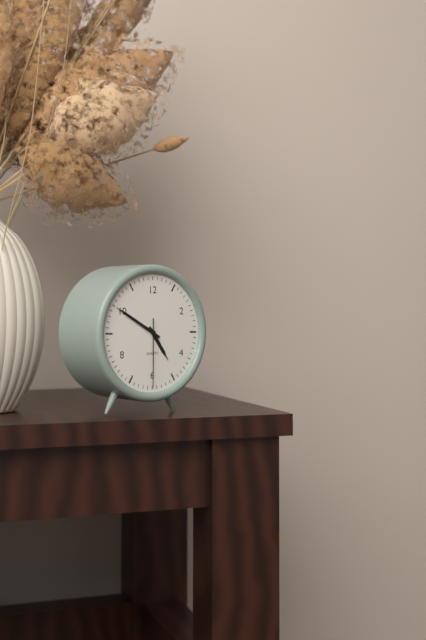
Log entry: **4:50:30**
